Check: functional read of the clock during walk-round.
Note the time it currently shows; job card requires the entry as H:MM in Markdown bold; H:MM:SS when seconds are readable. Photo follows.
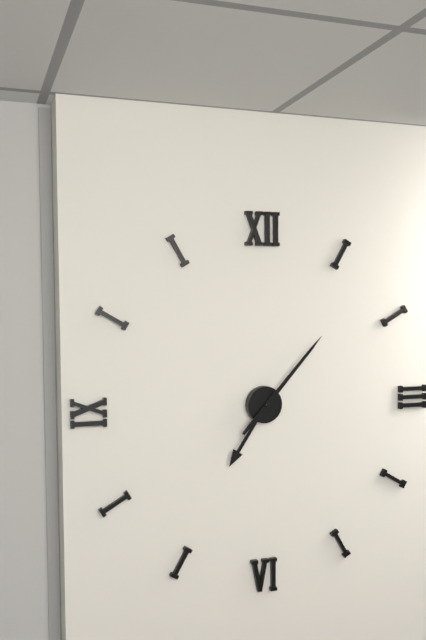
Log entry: **7:07**
